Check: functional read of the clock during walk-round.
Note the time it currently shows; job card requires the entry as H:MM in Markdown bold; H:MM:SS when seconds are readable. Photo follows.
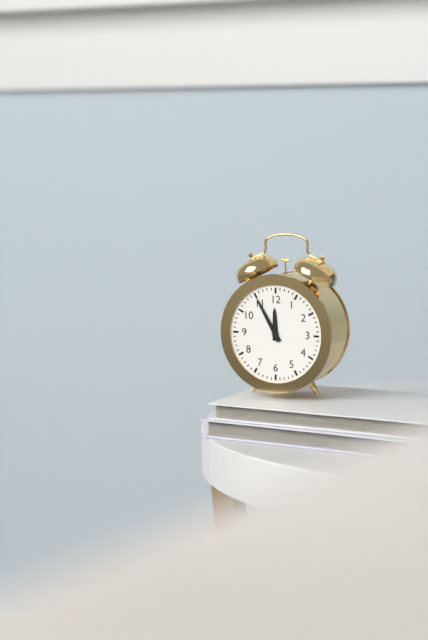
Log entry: **11:55**
